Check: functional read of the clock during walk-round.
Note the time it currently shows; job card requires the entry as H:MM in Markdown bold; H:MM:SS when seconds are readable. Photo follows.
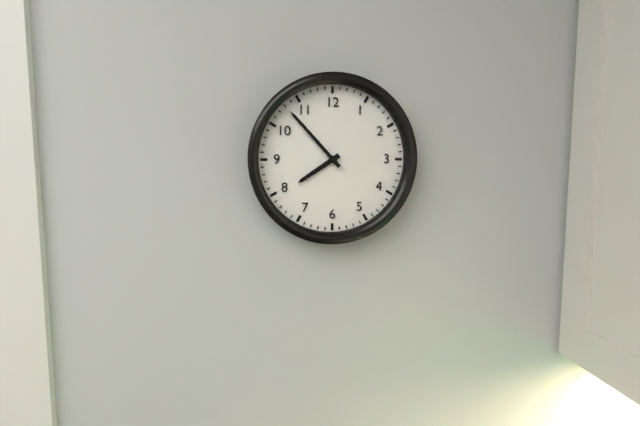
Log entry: **7:53**
